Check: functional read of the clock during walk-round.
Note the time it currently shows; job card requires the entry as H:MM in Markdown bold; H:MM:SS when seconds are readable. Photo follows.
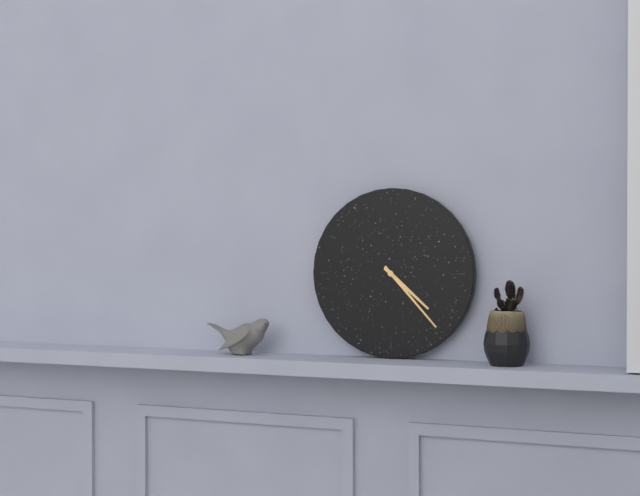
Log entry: **4:23**
